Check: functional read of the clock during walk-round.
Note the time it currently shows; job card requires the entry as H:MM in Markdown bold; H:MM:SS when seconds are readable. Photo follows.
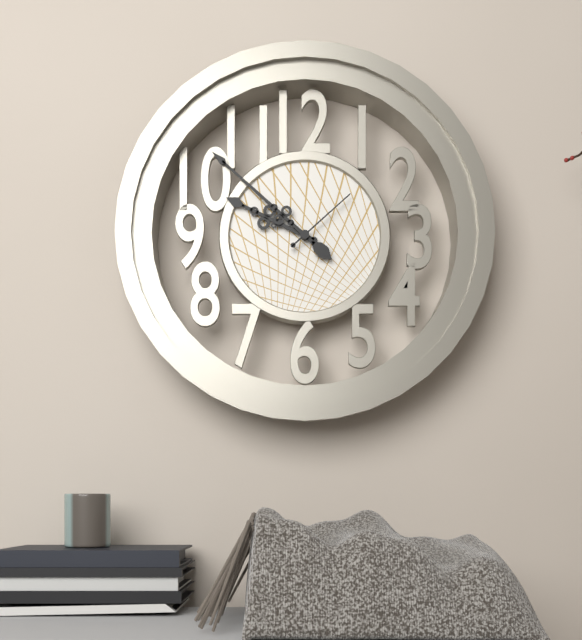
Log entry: **9:52:08**
